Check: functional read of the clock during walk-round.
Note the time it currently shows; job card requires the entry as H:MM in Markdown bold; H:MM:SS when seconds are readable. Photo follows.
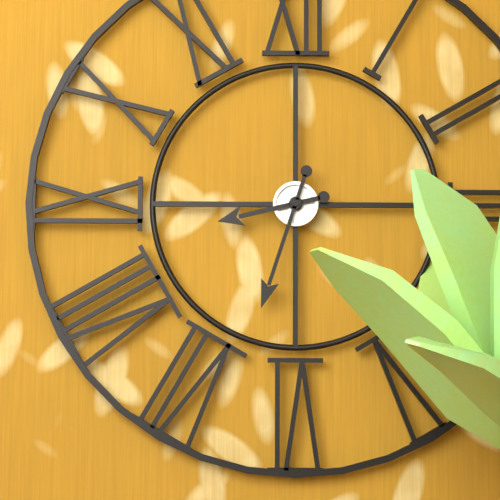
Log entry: **8:33**
